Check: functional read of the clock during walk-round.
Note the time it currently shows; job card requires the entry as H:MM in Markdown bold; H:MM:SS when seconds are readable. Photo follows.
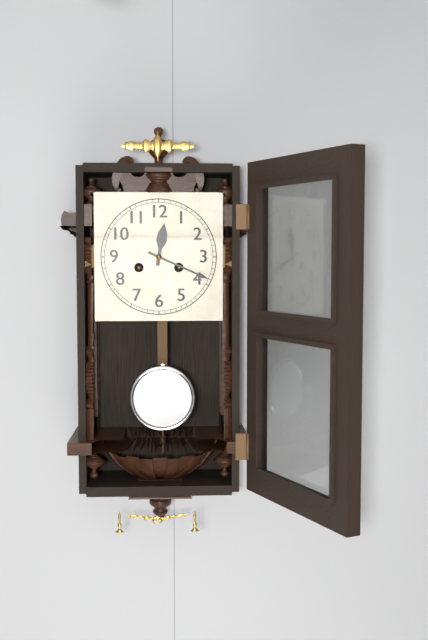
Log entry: **12:19**
